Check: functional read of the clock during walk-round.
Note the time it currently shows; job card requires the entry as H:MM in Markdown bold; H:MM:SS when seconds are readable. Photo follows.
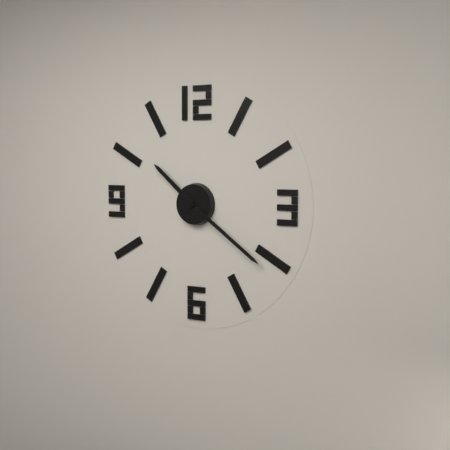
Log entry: **10:21**
